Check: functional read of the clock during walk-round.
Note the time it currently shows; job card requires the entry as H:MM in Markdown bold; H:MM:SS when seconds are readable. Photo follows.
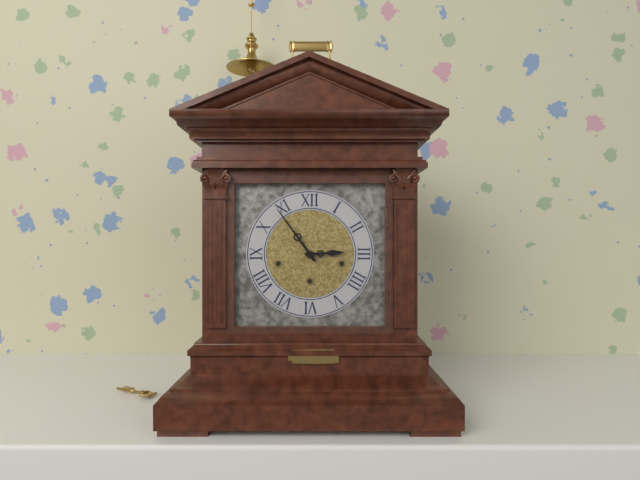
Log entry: **2:54**
